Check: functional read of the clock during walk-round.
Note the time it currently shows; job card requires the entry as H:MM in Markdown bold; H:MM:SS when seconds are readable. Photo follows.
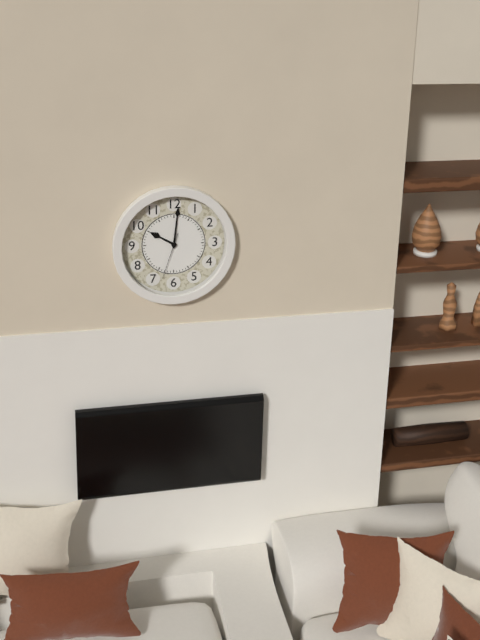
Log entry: **10:01**
